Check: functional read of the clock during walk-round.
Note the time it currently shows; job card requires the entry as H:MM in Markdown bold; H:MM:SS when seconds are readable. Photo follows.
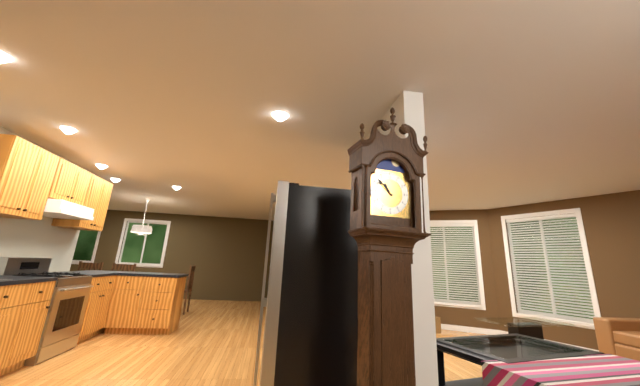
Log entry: **10:52**
